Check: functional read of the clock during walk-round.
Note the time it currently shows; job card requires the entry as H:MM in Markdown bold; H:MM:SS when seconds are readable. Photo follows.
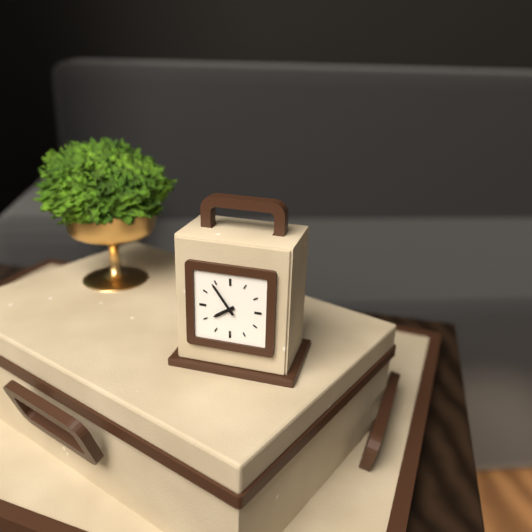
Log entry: **7:54**
